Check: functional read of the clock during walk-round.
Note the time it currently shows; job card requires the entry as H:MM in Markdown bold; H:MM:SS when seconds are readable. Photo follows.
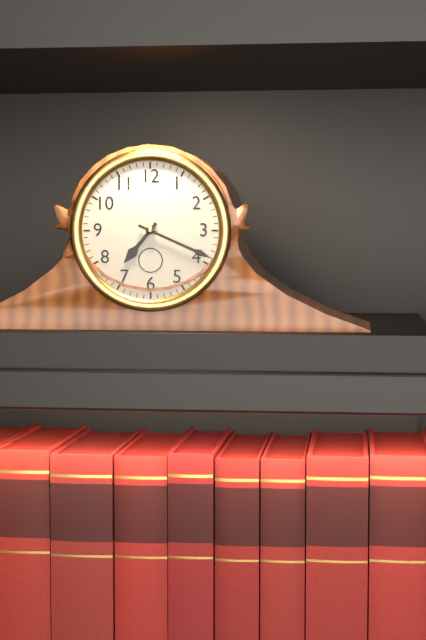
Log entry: **7:19**
